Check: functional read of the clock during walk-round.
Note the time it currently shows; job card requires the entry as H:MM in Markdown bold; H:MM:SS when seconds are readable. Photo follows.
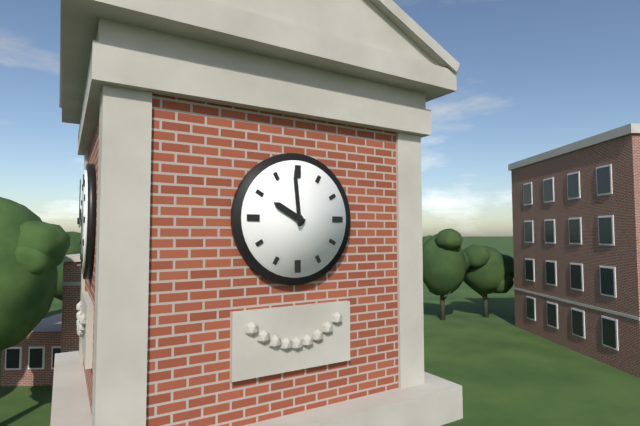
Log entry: **9:59**
